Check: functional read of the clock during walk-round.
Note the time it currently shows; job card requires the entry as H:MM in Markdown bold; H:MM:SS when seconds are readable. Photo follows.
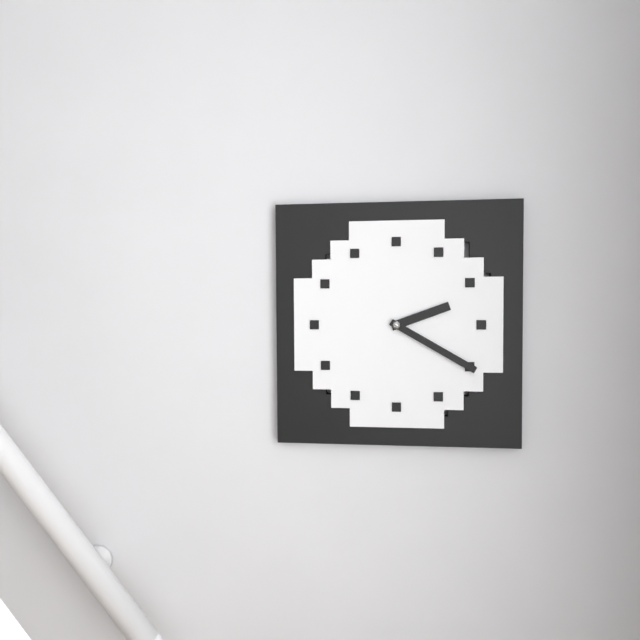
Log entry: **2:20**
